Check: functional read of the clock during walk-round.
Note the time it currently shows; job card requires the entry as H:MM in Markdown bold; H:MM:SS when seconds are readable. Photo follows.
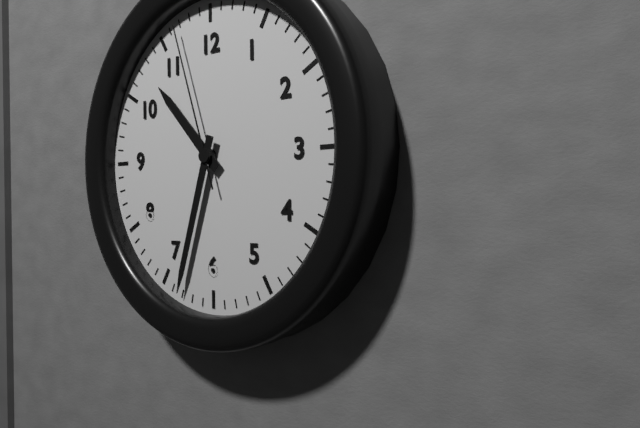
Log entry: **10:33:57**
